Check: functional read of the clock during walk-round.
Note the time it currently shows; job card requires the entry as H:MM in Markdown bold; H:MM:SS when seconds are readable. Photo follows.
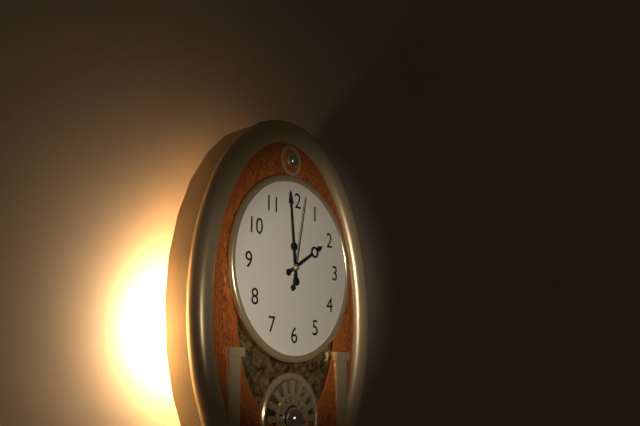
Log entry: **1:59:02**
